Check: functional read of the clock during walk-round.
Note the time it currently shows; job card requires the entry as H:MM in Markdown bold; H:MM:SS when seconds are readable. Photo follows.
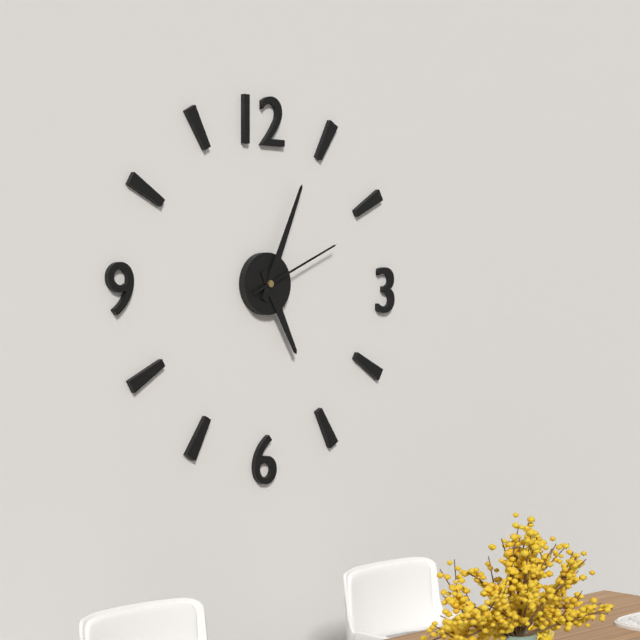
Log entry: **5:04:11**
